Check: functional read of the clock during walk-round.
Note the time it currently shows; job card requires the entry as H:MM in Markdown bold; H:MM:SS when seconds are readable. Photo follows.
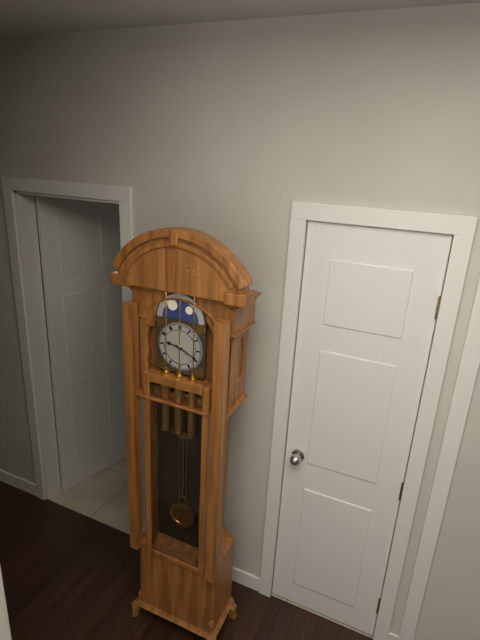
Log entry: **9:19**
